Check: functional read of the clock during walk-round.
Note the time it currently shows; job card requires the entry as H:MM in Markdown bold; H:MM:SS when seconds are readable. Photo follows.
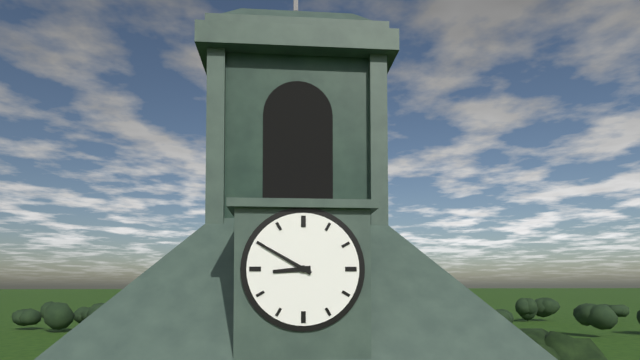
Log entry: **8:50**
